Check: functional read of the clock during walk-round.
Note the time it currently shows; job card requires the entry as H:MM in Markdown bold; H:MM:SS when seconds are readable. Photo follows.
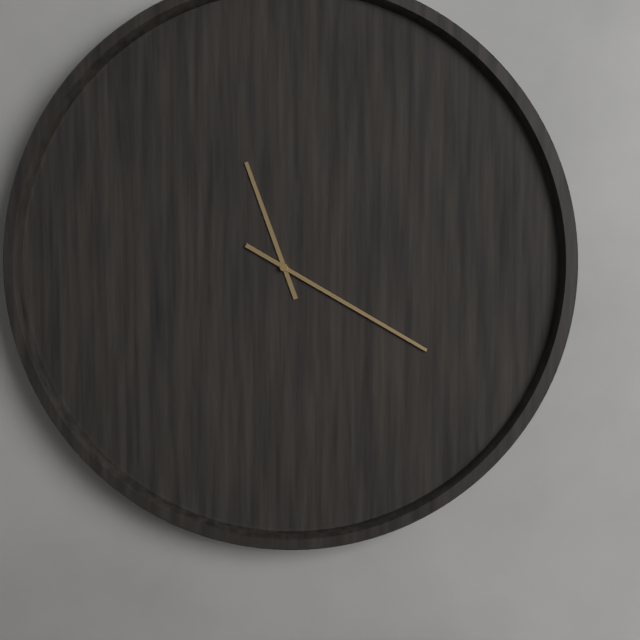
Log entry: **11:20**
